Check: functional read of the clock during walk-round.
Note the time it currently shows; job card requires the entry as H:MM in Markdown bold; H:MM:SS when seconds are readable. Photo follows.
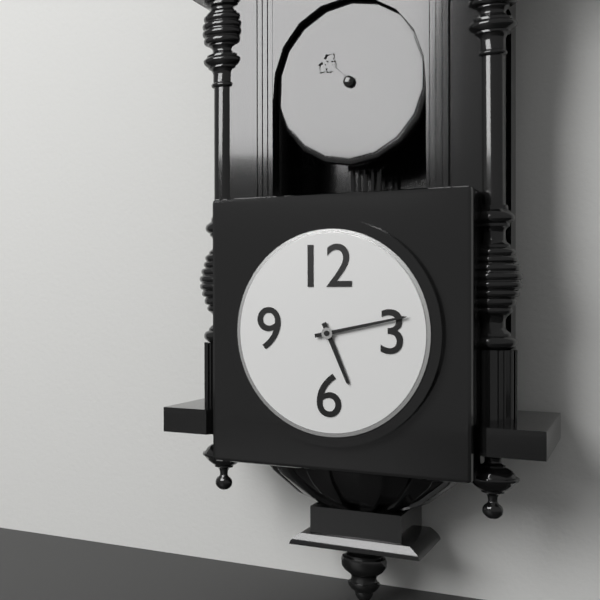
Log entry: **5:13**
